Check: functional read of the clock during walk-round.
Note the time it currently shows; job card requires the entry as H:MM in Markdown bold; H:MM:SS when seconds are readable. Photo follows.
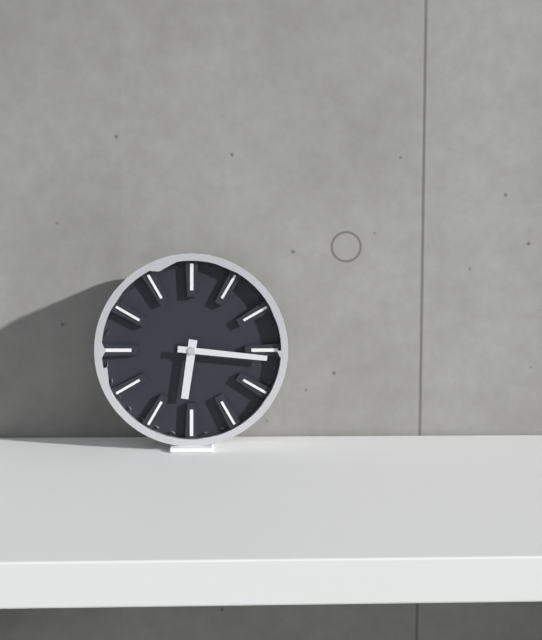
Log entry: **6:16**
